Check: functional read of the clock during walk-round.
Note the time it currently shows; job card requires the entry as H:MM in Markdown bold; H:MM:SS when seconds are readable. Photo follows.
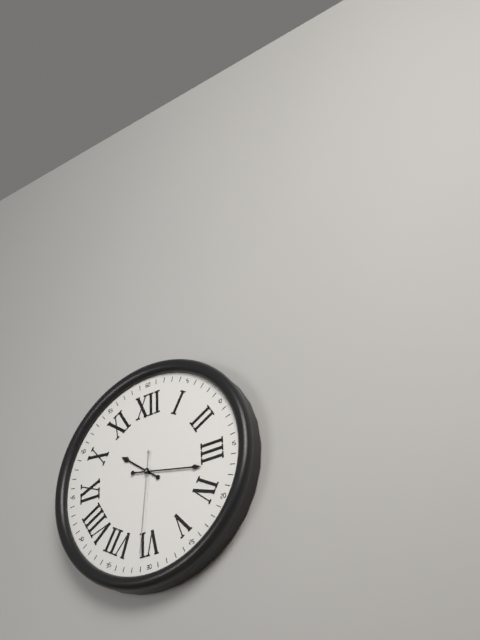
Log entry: **10:17:31**
